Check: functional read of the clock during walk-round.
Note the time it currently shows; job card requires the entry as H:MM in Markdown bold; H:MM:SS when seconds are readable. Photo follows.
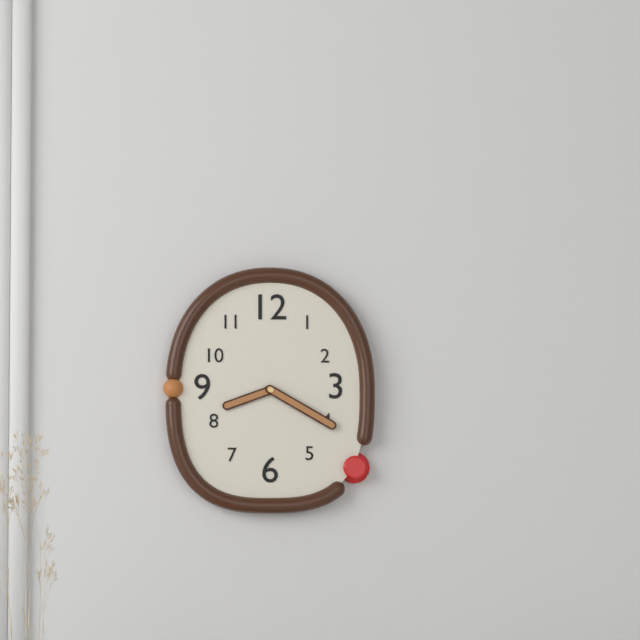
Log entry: **8:20**
